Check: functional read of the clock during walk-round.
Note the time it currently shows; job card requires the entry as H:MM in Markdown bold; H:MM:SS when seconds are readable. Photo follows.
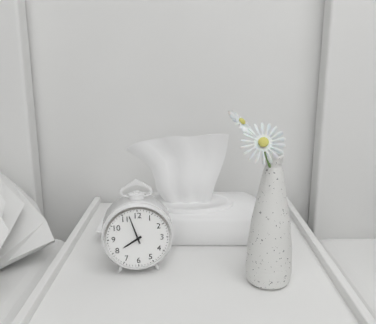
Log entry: **7:57**
